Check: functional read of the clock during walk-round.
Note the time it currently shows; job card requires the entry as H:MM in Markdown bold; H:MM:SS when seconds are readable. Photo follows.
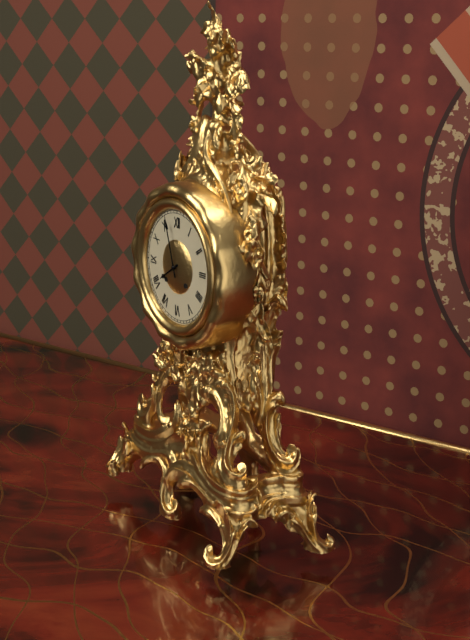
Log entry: **7:57**
